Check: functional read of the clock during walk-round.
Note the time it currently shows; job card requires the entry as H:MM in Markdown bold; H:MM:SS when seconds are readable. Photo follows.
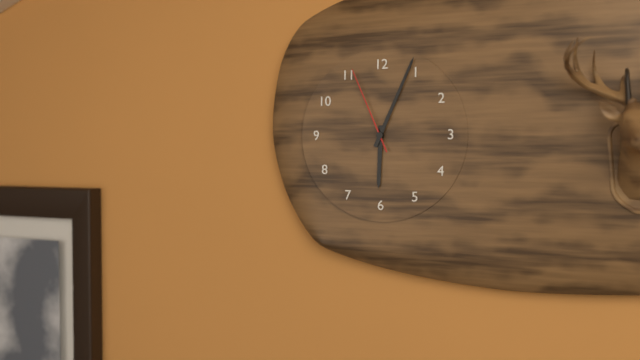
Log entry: **6:04:56**
